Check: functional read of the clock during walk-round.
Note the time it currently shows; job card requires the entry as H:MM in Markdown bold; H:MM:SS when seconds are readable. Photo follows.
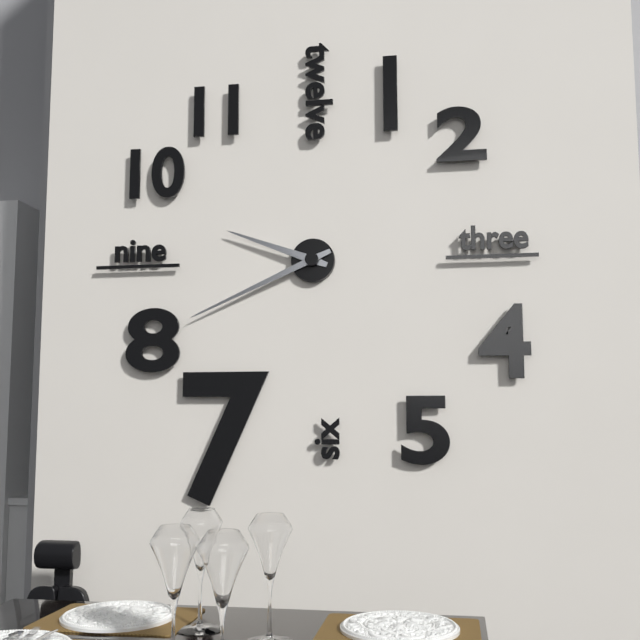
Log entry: **9:41**
